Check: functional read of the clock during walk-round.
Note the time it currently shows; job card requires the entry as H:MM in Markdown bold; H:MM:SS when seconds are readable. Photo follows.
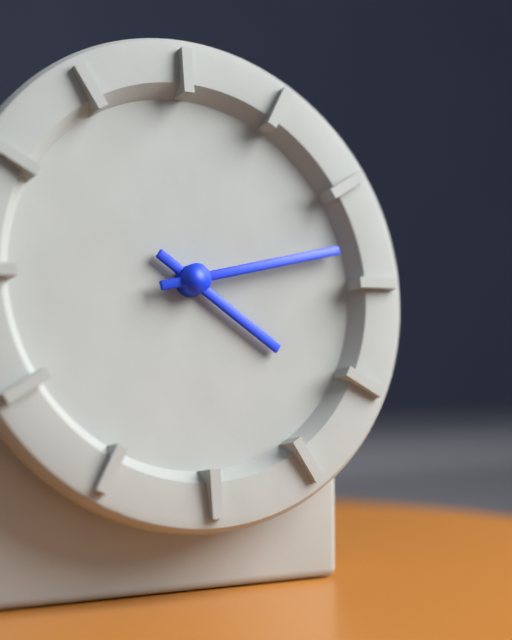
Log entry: **4:13**
